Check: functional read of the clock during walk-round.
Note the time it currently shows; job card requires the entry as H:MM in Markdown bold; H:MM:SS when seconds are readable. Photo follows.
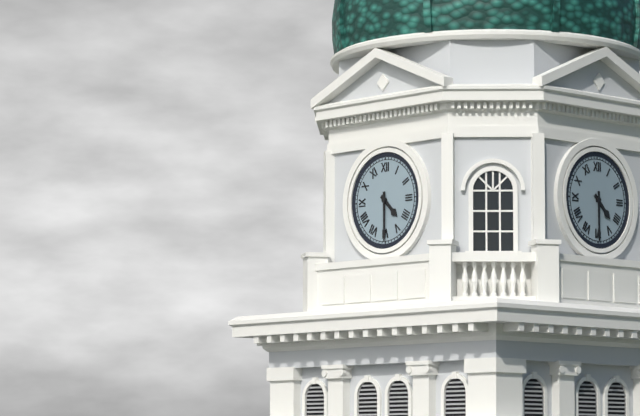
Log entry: **4:30**
